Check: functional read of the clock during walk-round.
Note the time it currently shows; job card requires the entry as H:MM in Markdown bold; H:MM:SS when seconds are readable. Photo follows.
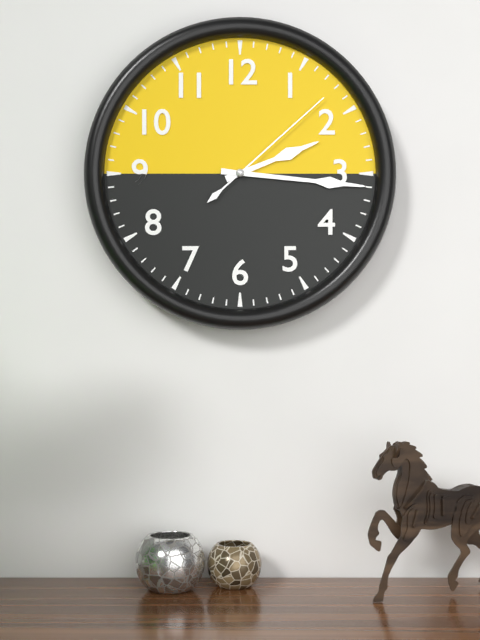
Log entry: **2:16:08**
